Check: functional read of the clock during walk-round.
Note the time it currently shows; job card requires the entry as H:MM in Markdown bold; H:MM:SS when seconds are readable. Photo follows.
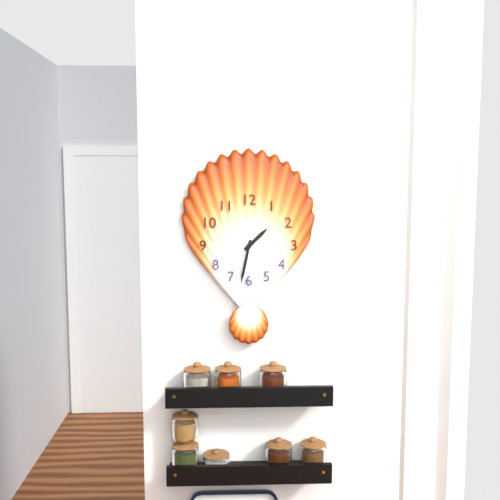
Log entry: **1:32**
